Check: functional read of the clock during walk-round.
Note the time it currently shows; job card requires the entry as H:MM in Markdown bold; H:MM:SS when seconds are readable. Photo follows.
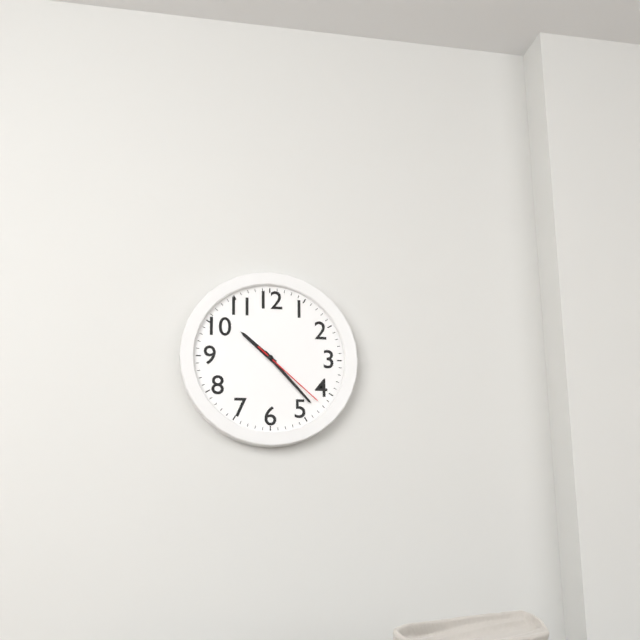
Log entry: **10:23:22**
